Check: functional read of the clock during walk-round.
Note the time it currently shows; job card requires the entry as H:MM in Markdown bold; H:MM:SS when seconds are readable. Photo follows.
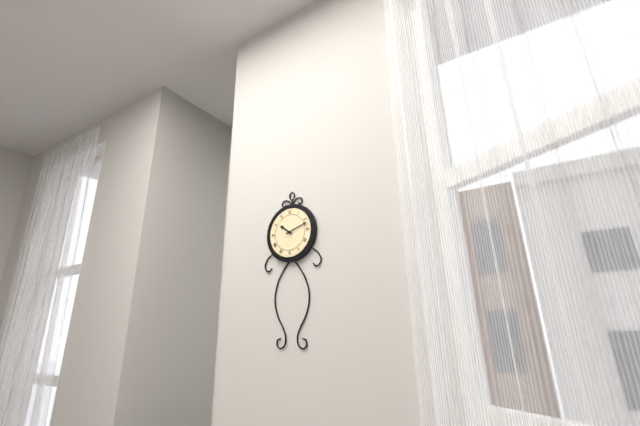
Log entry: **10:12**
